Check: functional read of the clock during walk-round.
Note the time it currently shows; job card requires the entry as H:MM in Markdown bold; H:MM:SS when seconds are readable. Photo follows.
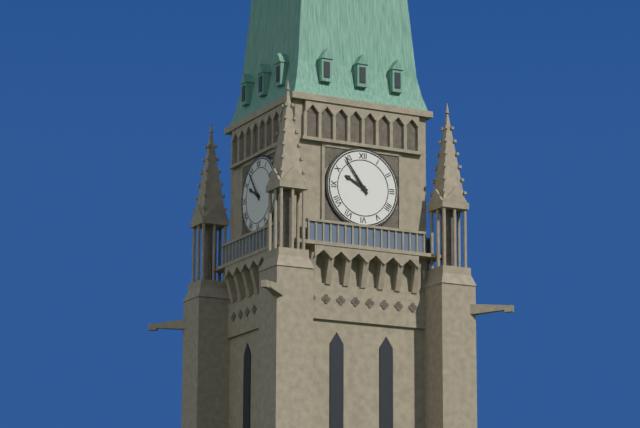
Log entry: **9:54**
